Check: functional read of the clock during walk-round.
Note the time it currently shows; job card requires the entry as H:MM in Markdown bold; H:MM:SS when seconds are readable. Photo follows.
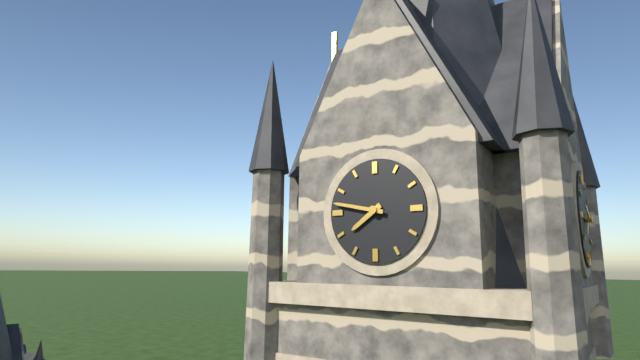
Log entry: **7:47**
